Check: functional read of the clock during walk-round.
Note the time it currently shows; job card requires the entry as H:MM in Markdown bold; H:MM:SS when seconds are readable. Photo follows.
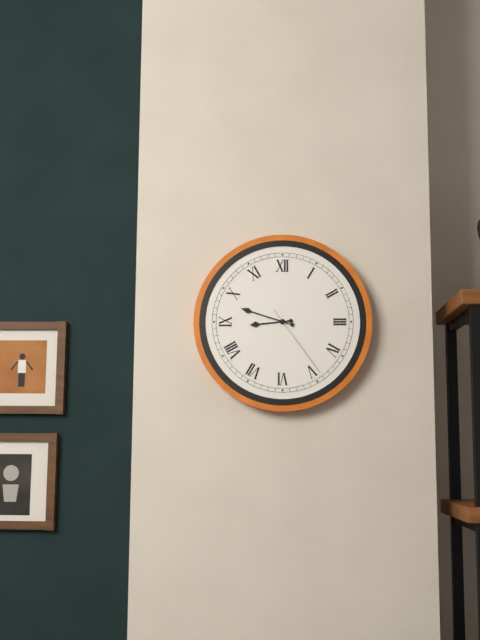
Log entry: **8:48:24**
